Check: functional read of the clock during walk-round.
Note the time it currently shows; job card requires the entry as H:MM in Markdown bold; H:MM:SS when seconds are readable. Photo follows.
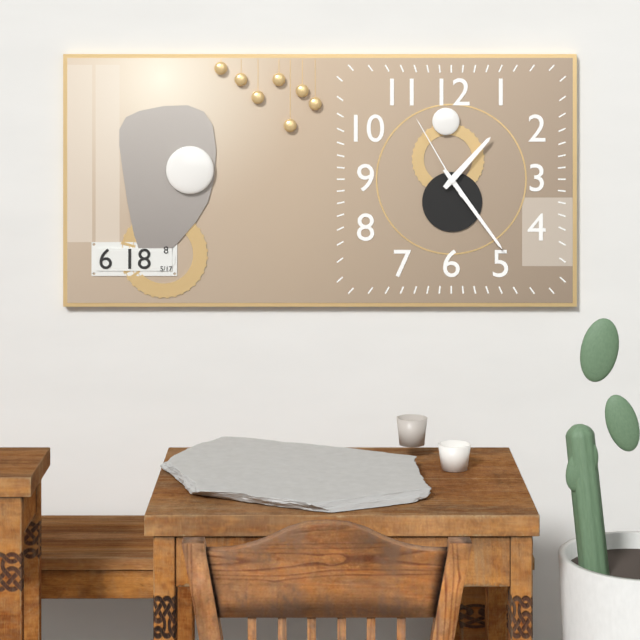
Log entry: **1:24:55**
